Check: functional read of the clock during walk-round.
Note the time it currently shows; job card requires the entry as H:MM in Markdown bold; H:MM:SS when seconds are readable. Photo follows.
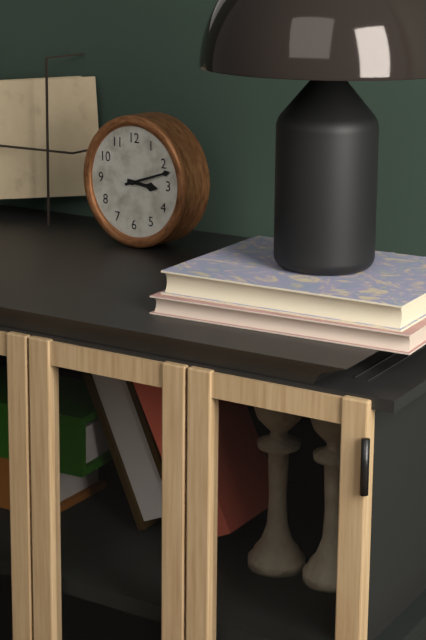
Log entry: **3:12**
